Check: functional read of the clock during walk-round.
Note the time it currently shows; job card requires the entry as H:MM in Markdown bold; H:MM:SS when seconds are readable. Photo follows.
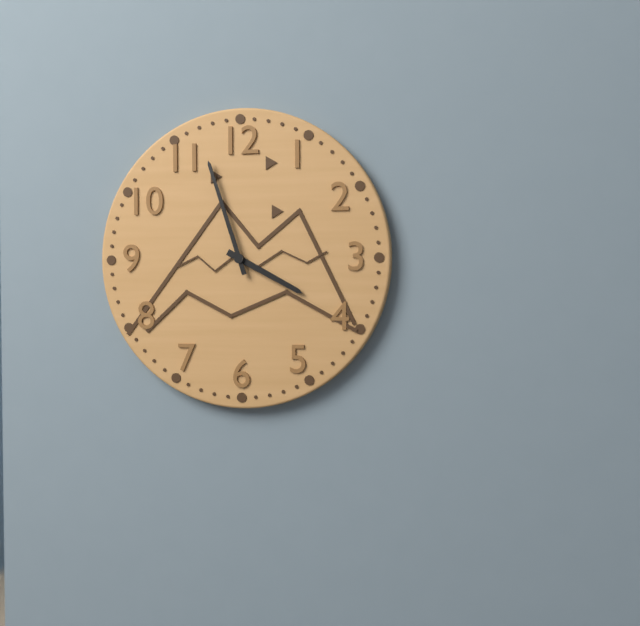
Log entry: **3:57**
